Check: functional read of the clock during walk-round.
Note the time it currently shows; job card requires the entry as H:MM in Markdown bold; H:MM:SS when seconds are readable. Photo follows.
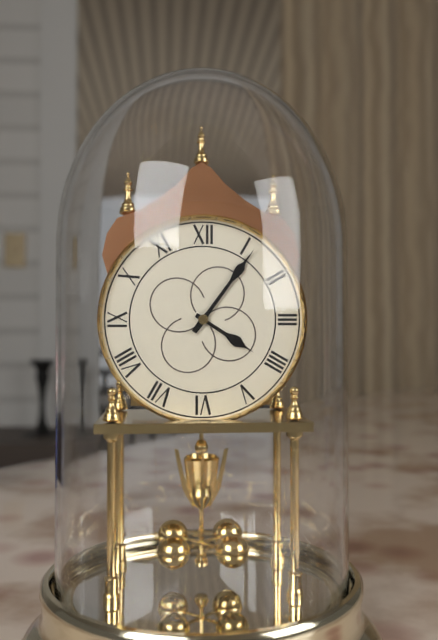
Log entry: **4:06**
